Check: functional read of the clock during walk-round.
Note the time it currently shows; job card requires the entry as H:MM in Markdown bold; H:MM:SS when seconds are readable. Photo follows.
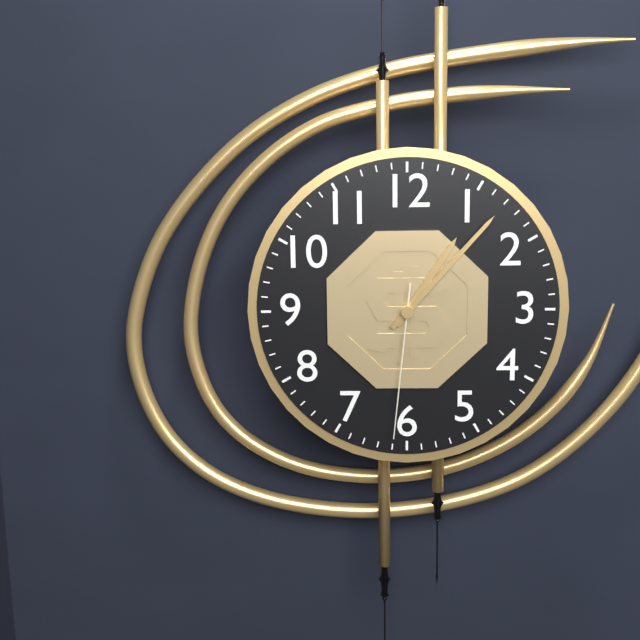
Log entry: **1:07:31**
